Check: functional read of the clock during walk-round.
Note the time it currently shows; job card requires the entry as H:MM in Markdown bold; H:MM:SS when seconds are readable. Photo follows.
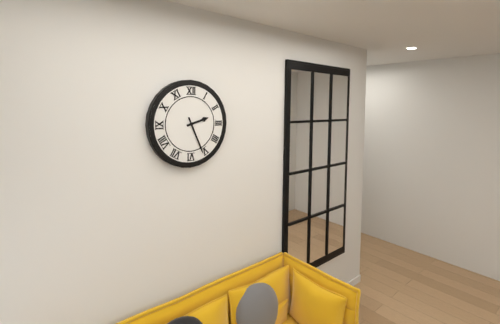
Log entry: **2:26**
